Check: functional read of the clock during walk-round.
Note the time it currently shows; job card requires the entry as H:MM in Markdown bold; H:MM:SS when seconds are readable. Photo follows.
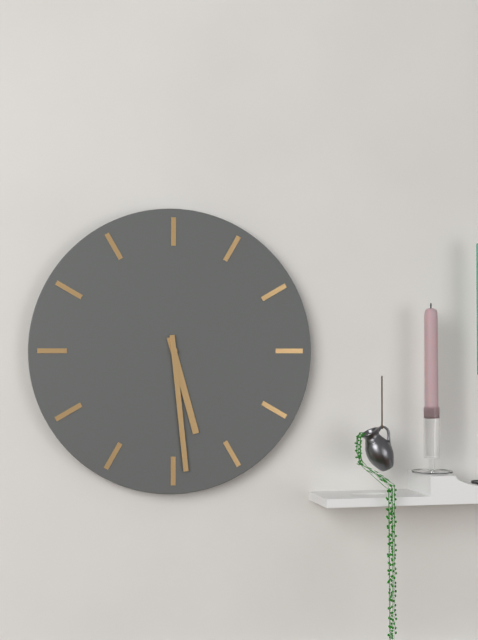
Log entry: **5:29**
